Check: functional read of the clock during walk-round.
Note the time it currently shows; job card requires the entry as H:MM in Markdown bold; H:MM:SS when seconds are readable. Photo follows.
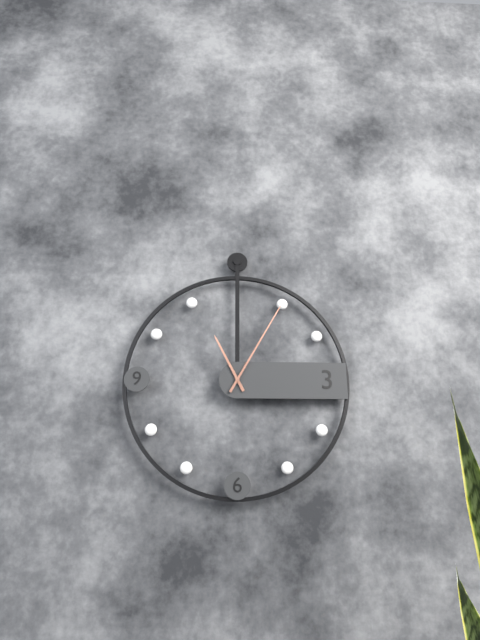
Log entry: **11:05**
